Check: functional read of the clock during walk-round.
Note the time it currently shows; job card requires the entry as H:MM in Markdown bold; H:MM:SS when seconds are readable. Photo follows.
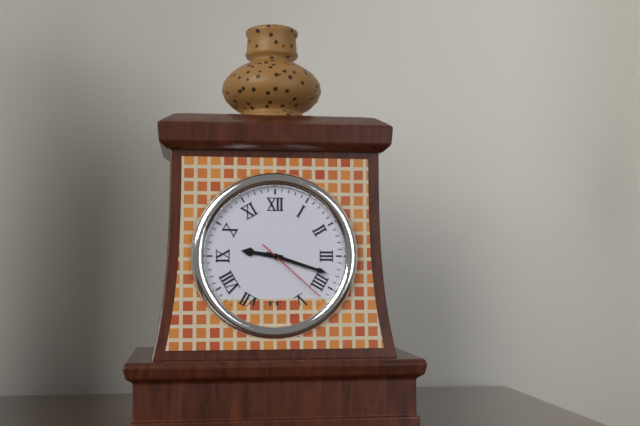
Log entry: **9:18:22**
